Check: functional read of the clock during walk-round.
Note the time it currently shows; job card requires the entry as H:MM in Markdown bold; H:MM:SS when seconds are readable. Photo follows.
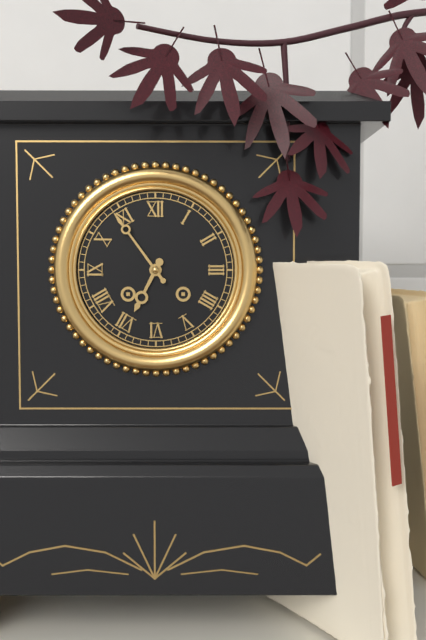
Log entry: **6:54**
